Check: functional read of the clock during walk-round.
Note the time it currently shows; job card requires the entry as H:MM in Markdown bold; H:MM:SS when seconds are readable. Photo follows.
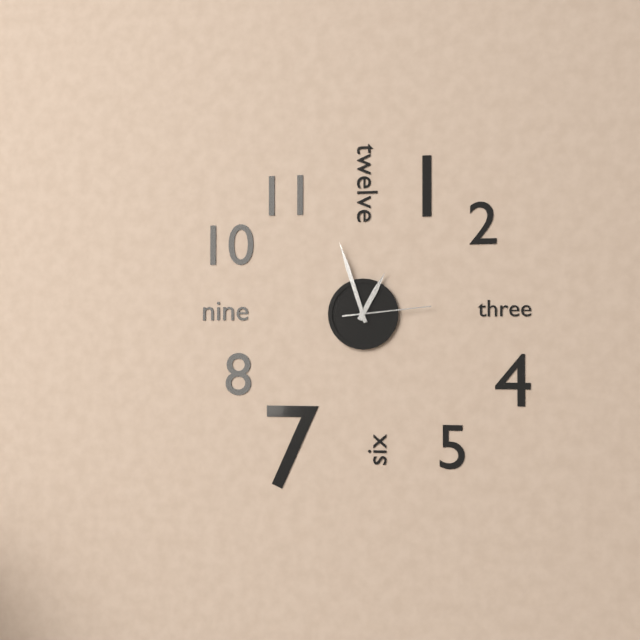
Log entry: **12:57:14**
